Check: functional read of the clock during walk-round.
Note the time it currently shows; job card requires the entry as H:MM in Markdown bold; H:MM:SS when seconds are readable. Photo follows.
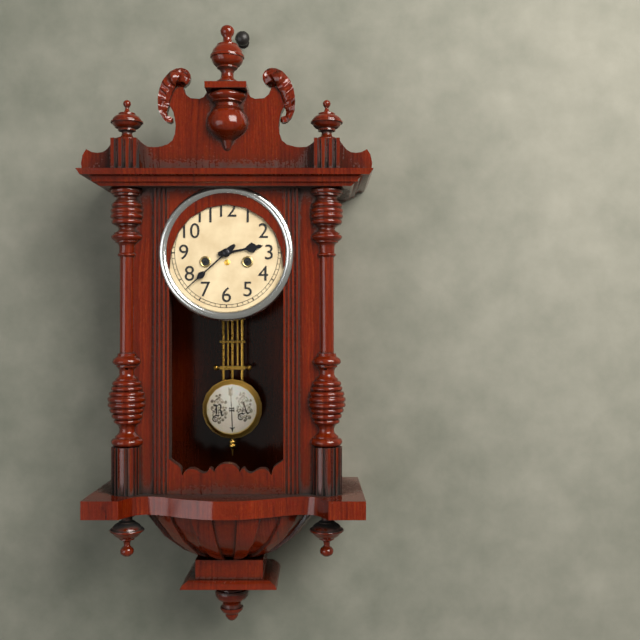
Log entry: **2:38**
